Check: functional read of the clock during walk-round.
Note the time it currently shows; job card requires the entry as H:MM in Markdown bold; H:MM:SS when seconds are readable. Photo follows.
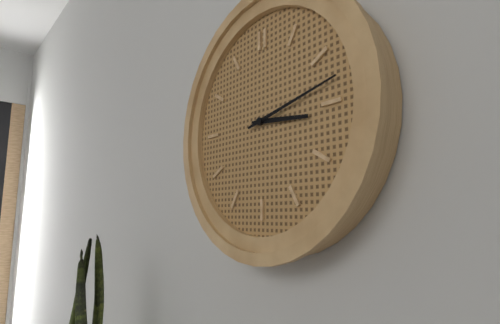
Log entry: **3:13**
